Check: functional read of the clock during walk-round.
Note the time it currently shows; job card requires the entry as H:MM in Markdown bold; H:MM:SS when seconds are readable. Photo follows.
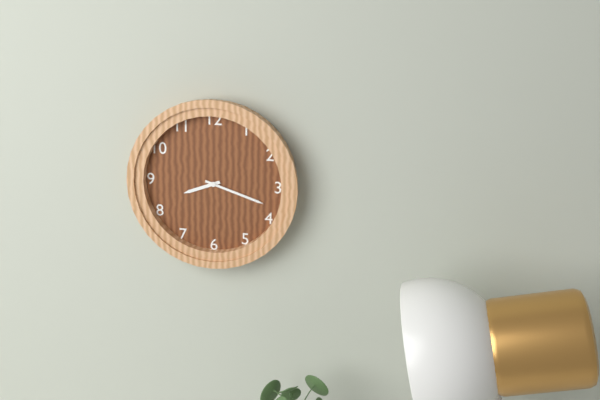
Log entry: **8:18**
